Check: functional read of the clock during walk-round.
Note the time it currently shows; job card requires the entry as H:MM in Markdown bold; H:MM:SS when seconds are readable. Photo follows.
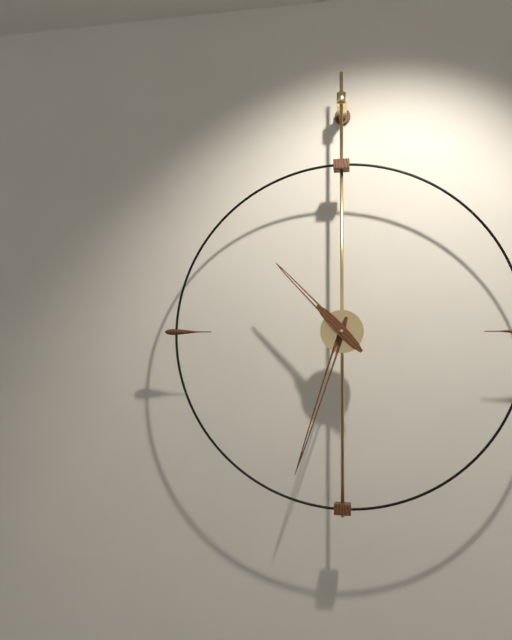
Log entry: **10:33**
